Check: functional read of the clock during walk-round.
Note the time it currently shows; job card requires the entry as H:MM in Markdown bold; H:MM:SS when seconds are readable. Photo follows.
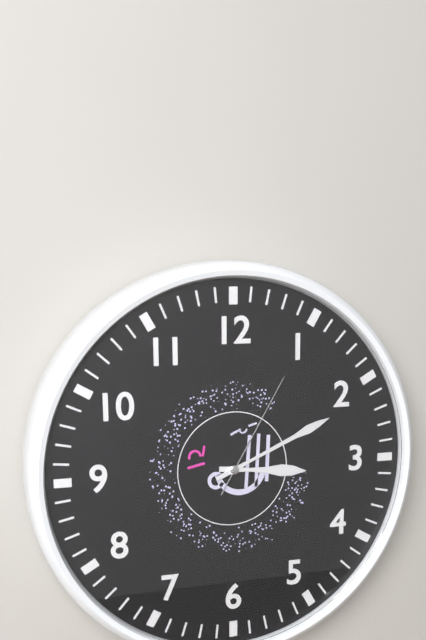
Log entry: **3:11:05**
